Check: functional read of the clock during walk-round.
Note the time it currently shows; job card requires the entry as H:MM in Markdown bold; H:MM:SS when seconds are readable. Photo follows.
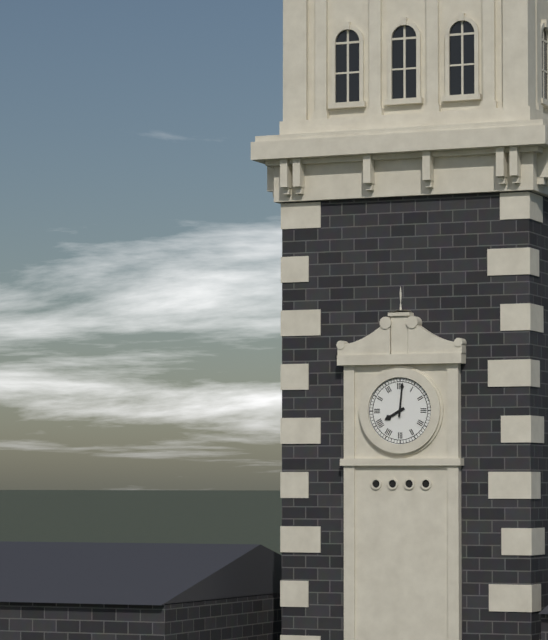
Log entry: **8:01**
